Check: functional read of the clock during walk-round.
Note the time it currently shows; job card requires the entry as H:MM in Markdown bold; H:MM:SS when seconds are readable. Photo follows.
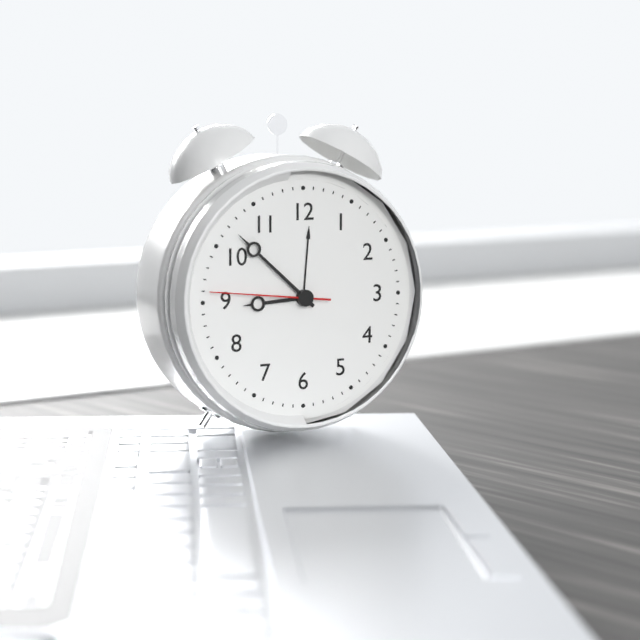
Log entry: **8:52:46**
